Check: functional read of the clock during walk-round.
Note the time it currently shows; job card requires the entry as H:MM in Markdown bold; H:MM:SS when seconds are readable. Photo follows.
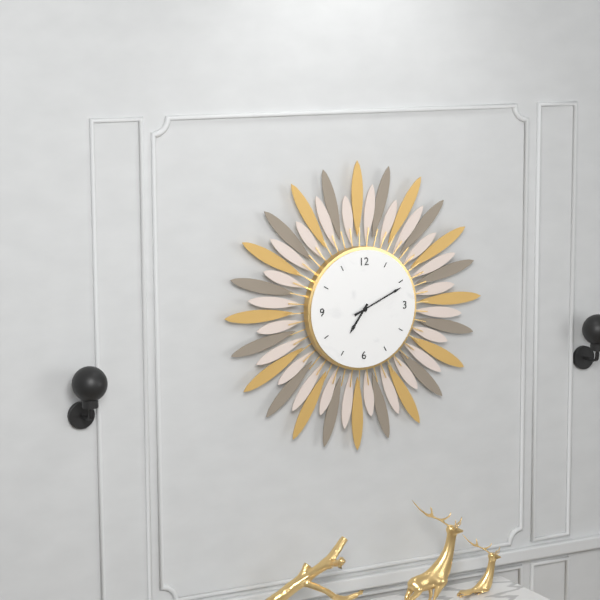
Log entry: **7:11**
